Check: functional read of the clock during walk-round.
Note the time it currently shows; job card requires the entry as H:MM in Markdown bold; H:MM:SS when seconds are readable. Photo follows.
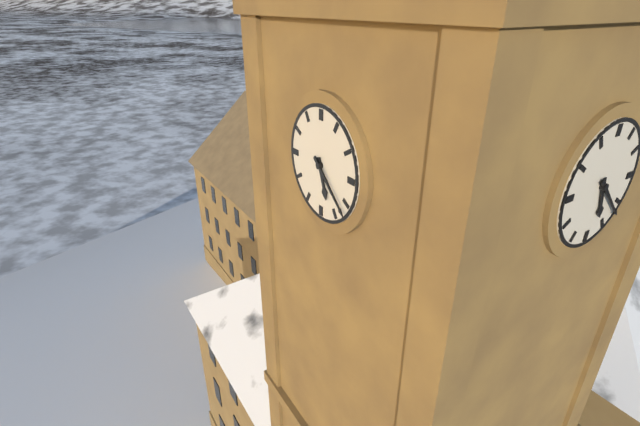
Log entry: **5:22**
